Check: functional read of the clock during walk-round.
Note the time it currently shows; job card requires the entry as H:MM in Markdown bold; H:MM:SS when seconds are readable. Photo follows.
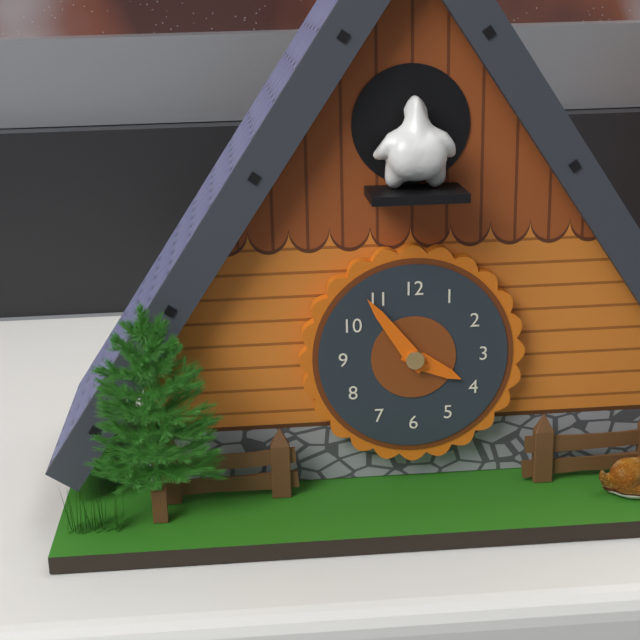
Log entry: **3:54**
